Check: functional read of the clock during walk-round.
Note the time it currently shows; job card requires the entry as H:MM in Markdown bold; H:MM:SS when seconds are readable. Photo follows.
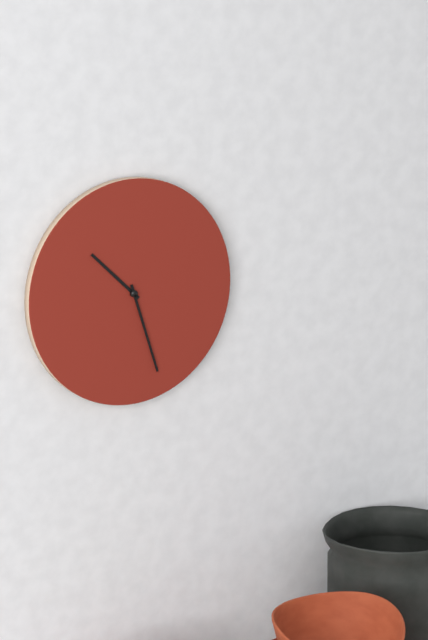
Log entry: **10:27**
